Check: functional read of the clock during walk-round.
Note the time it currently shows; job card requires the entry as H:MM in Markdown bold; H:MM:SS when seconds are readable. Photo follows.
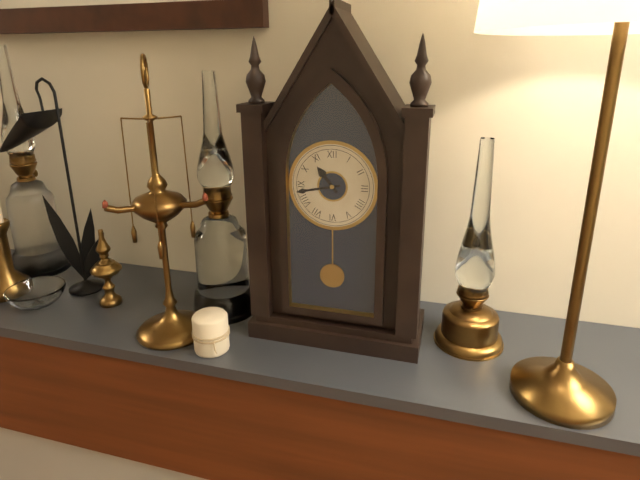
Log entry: **10:43**
